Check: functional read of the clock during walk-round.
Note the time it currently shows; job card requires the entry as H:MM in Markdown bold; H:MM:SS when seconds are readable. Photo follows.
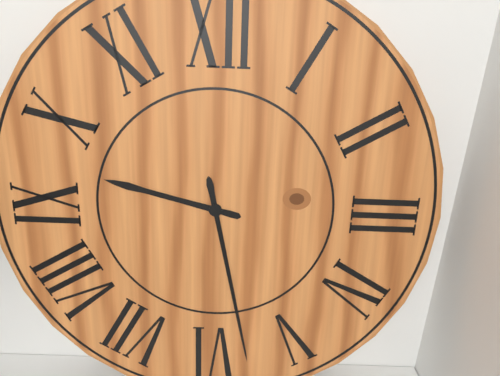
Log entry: **9:28**
